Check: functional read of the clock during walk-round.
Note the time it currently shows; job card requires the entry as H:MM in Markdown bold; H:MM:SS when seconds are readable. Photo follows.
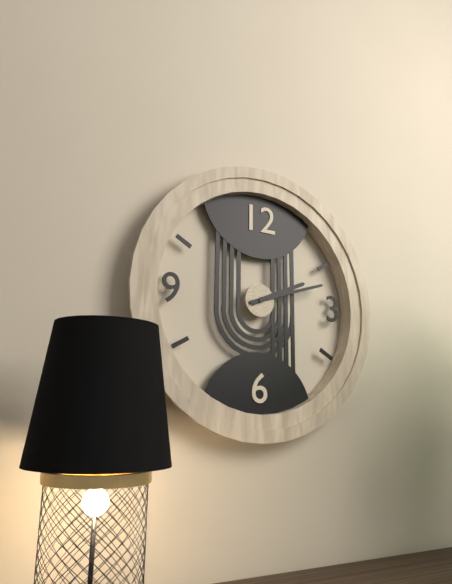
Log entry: **2:12**
